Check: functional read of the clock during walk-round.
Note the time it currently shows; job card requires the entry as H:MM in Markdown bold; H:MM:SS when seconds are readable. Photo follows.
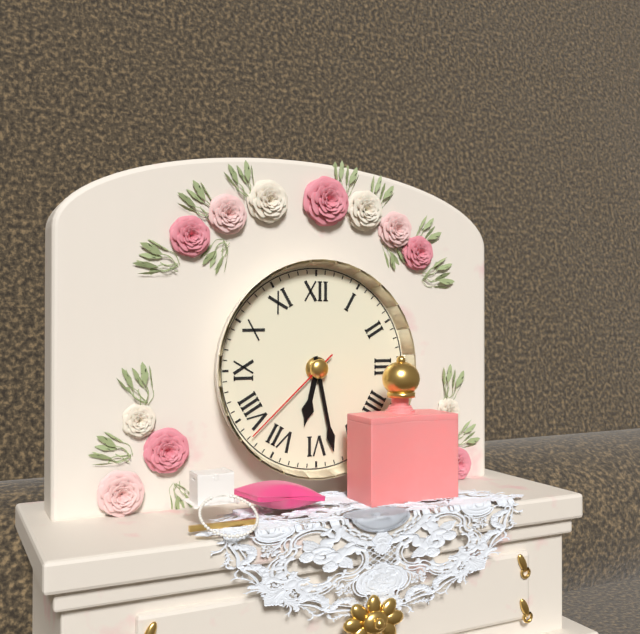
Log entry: **6:28:38**
